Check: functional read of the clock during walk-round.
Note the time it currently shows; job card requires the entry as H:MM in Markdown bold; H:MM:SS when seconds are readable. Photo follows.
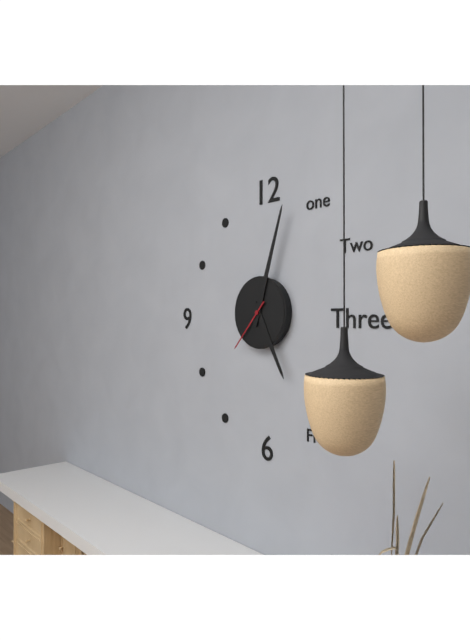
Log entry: **5:03:37**
